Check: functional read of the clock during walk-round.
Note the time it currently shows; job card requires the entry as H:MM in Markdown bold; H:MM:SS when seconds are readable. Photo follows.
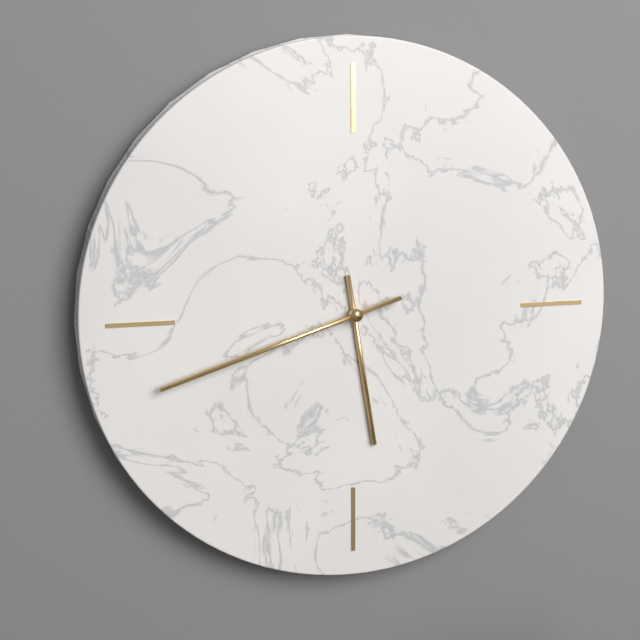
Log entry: **5:42**
